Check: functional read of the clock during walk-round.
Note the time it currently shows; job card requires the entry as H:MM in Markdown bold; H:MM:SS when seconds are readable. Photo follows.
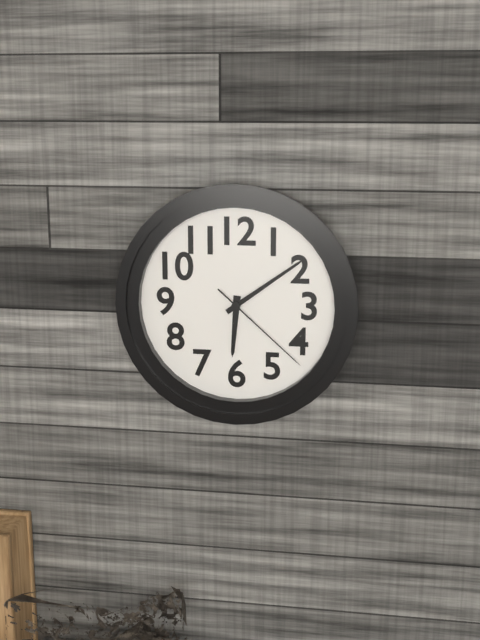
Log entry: **6:09:22**
